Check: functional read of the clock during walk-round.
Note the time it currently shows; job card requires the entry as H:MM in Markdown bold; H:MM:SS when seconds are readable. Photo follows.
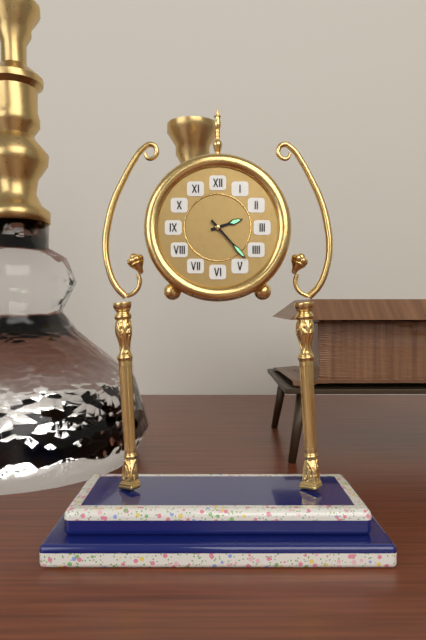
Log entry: **2:23**
